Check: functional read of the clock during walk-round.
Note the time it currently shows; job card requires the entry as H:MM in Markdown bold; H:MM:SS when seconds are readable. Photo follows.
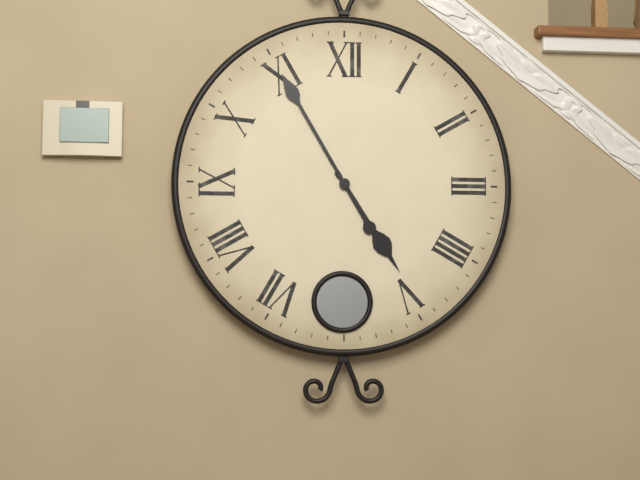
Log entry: **4:55**
